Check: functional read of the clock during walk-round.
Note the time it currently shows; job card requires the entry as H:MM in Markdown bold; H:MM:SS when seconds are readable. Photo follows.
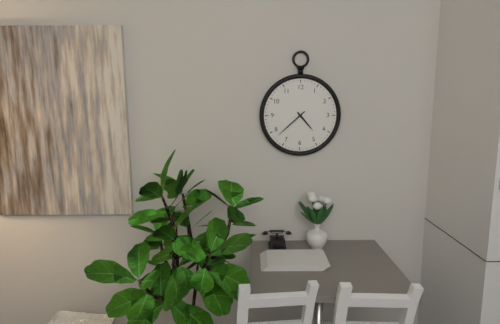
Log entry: **4:38**
